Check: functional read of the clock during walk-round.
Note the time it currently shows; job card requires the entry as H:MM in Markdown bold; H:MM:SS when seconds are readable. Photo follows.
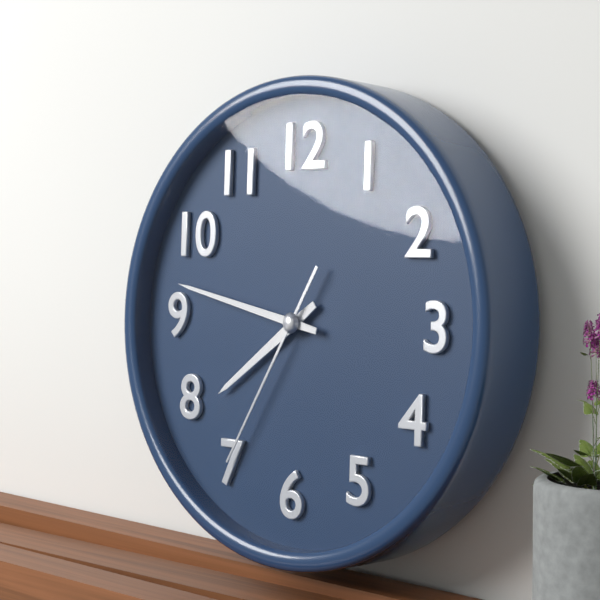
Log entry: **7:47:35**
